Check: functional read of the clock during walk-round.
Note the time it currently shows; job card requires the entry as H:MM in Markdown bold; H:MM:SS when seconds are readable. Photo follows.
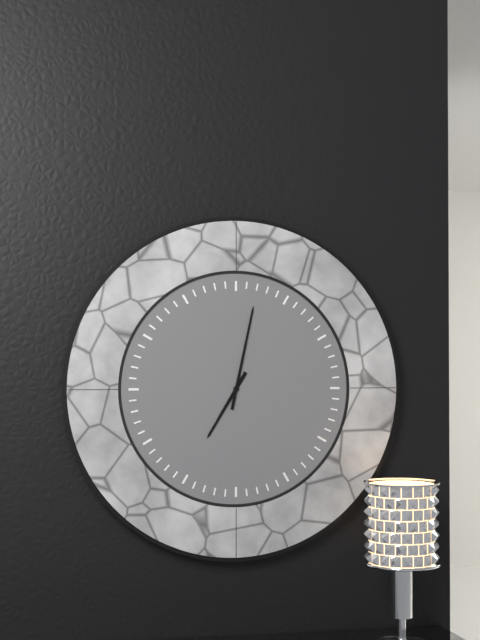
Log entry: **7:02**
